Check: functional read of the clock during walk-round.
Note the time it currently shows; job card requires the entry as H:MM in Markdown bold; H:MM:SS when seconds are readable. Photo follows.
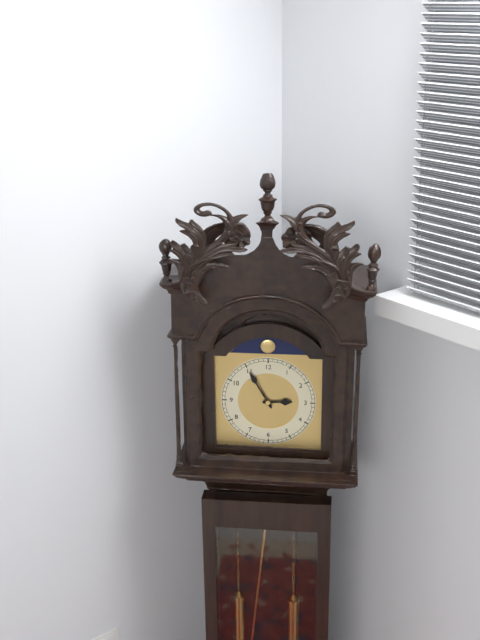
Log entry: **2:55**
